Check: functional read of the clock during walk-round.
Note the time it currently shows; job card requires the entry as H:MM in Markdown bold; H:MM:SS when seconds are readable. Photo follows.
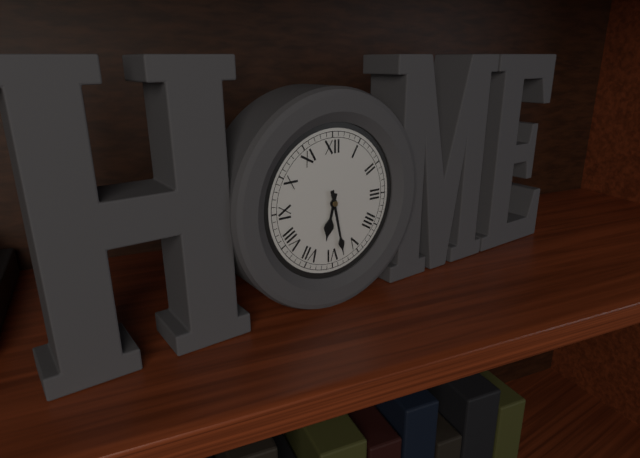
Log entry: **6:28**
